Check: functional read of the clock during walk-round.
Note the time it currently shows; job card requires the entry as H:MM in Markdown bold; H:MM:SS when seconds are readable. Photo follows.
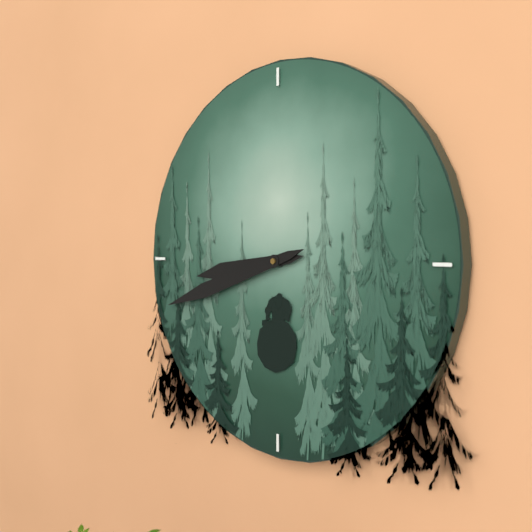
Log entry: **8:42**
